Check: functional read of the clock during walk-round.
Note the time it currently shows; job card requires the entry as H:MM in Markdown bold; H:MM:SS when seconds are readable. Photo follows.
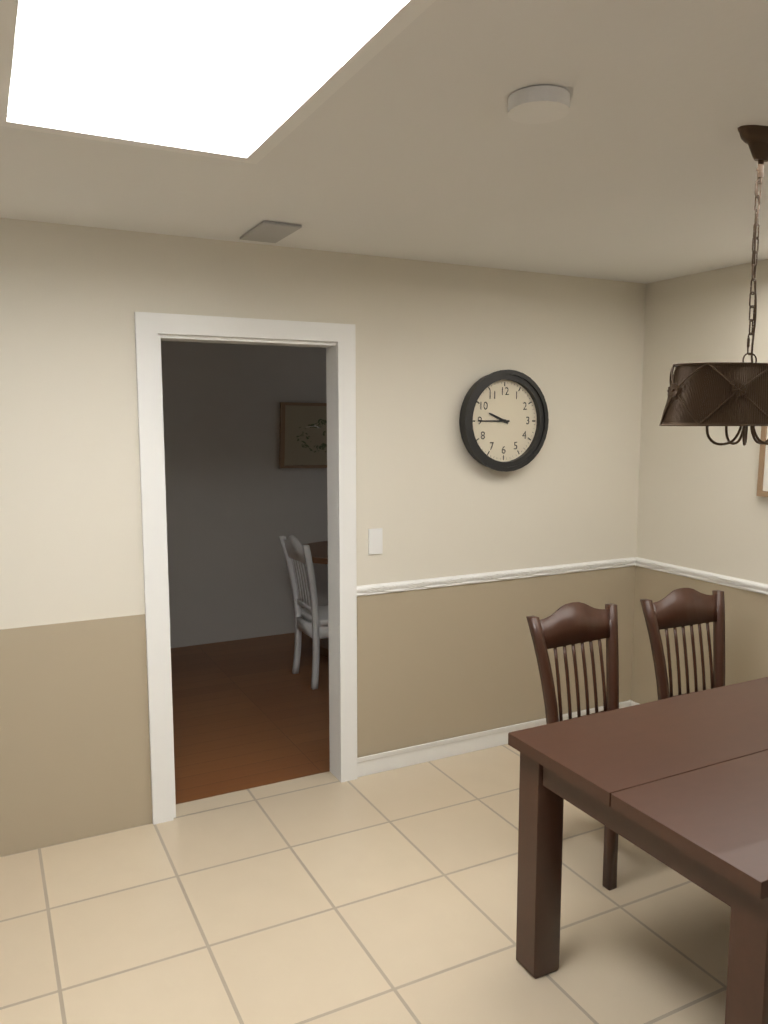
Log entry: **9:45**
